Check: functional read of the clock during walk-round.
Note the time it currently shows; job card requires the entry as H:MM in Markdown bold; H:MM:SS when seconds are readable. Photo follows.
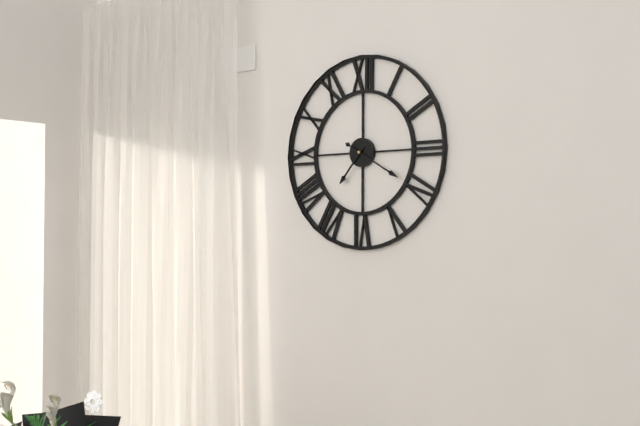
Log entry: **7:20**
